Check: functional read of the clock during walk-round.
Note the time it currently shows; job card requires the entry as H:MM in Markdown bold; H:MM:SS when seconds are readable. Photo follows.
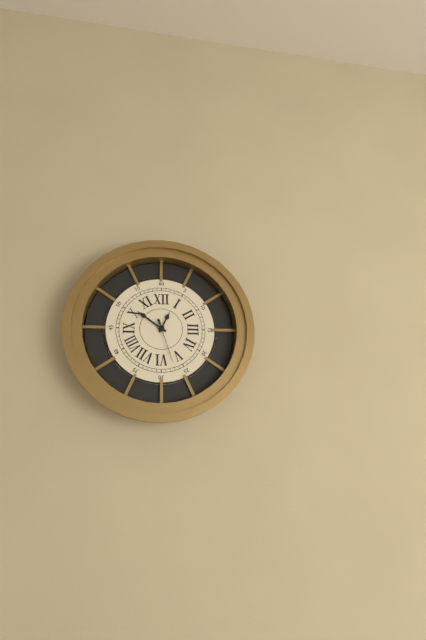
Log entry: **12:51**
